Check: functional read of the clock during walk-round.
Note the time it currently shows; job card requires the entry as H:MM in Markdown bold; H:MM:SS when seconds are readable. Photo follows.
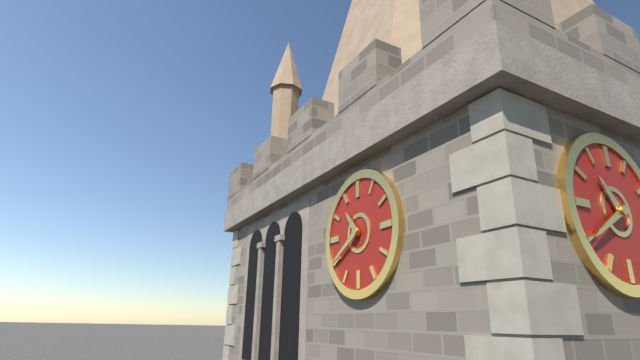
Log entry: **10:40**
